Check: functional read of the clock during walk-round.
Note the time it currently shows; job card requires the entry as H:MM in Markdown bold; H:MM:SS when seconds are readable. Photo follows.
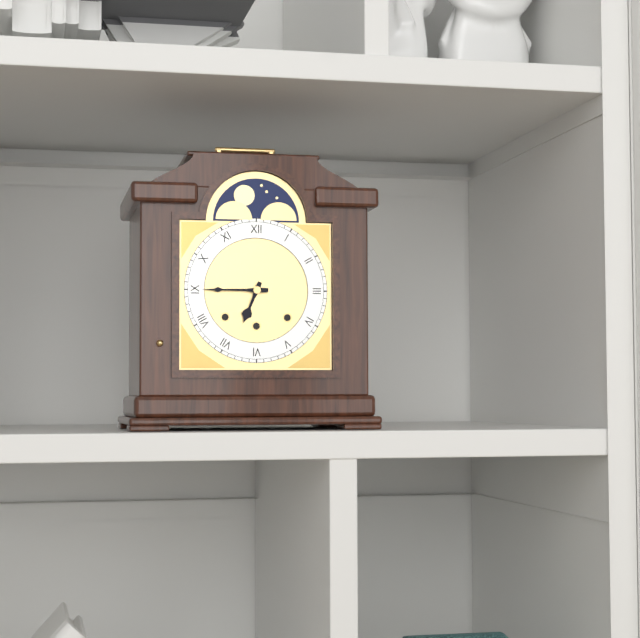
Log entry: **6:45**
